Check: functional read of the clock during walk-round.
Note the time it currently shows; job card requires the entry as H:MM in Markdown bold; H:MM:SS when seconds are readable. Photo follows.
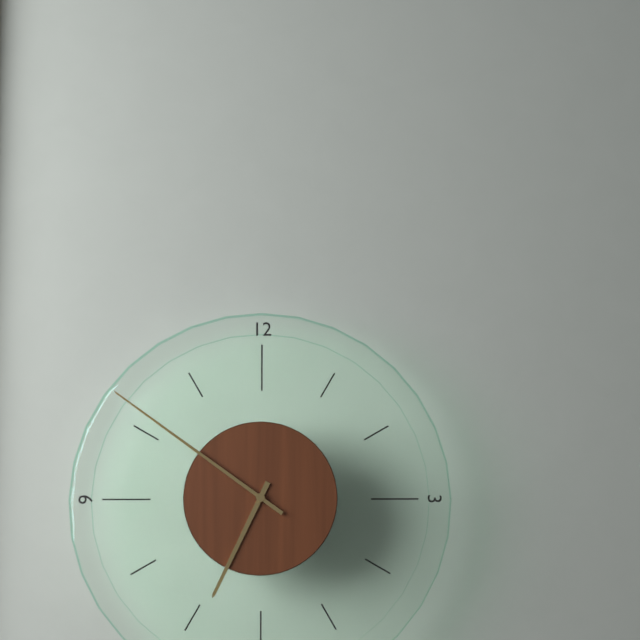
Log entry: **6:51**
